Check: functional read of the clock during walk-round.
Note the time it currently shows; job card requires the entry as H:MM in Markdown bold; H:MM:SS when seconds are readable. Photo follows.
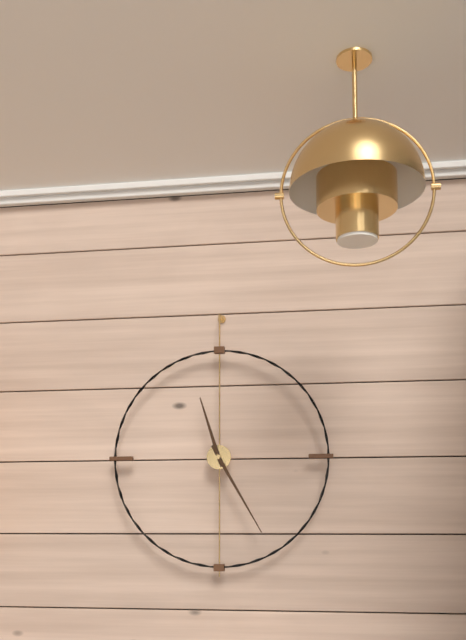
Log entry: **11:25**
